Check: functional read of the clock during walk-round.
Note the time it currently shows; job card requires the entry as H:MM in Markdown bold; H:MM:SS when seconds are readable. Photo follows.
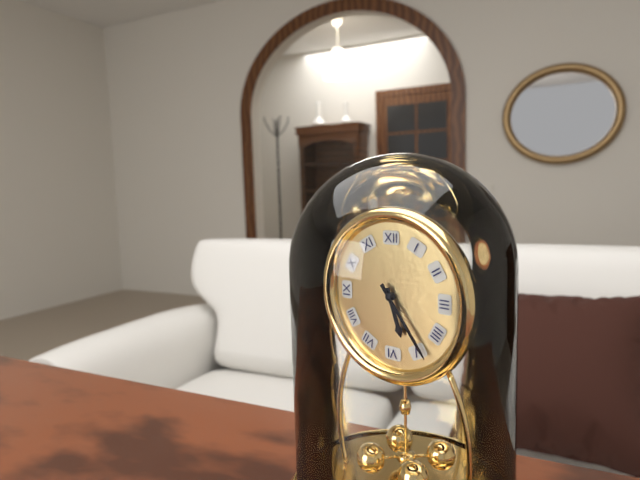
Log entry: **5:24**
